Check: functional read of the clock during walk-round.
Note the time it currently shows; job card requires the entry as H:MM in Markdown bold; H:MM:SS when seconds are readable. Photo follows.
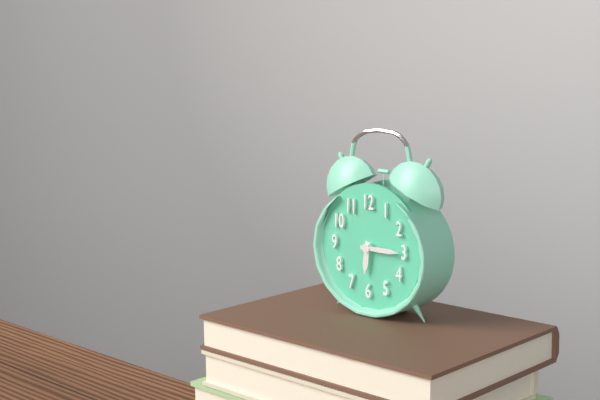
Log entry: **6:15**
